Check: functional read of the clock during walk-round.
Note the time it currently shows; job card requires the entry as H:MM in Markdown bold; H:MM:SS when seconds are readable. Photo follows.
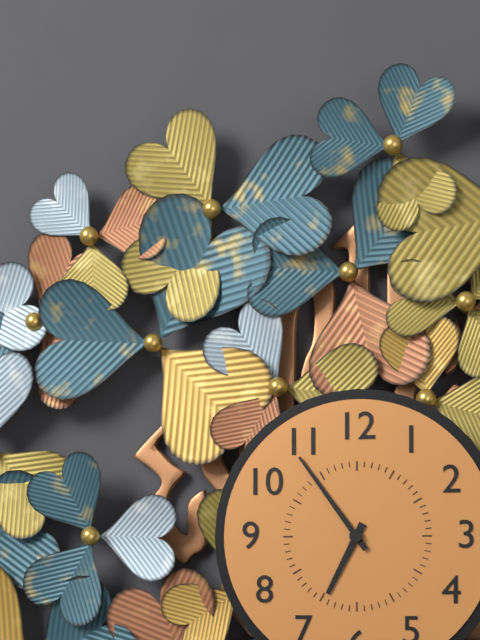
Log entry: **6:54**
